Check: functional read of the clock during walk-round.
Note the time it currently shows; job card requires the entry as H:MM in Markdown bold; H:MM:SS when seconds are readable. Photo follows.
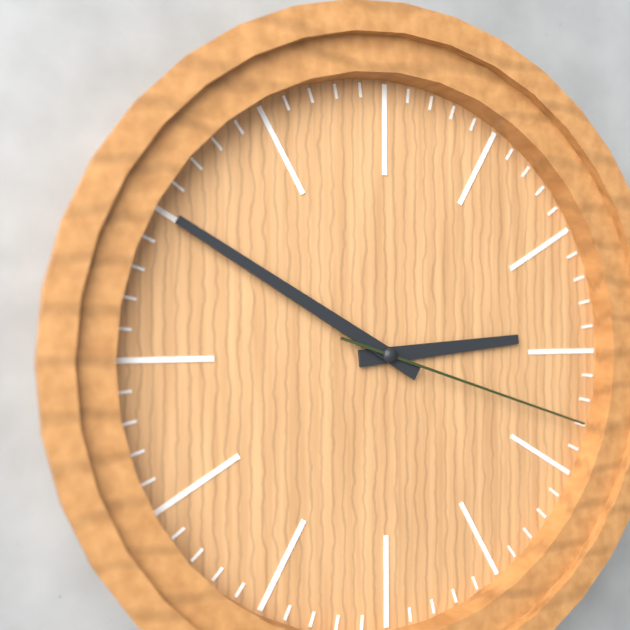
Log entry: **2:50:18**
